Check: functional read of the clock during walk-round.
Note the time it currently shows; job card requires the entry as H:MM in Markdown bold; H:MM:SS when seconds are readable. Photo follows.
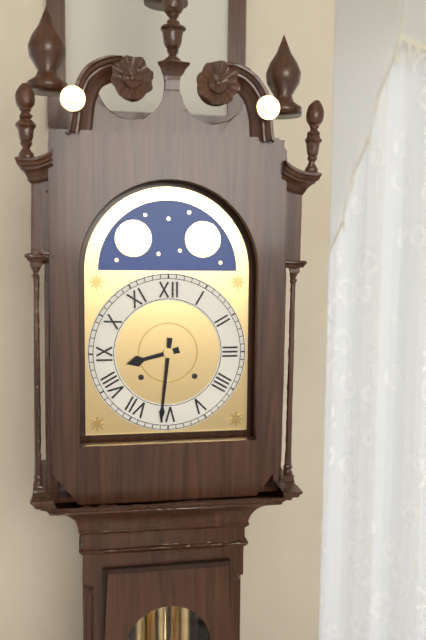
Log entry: **8:31**
